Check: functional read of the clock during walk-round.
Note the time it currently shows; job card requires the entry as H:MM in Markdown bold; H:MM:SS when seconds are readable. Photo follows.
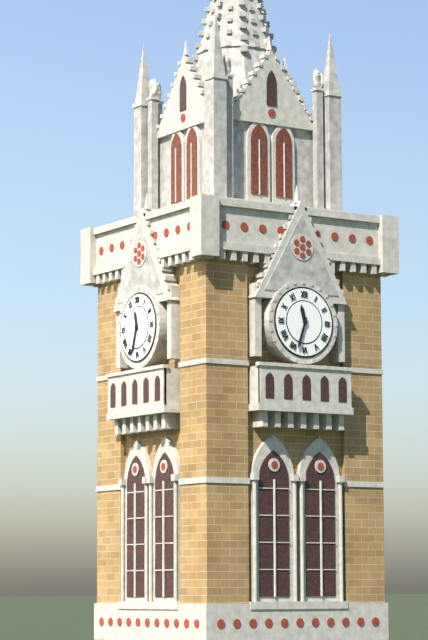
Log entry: **11:33**
